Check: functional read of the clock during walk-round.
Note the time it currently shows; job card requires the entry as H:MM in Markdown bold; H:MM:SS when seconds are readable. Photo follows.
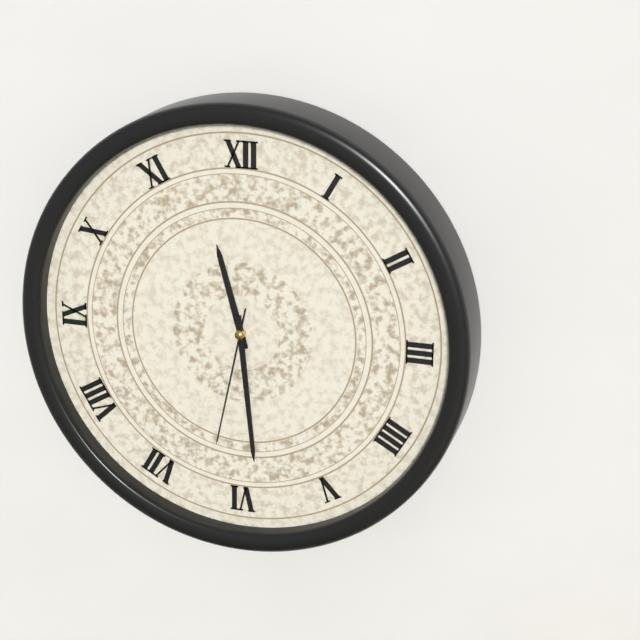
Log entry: **11:29:32**
